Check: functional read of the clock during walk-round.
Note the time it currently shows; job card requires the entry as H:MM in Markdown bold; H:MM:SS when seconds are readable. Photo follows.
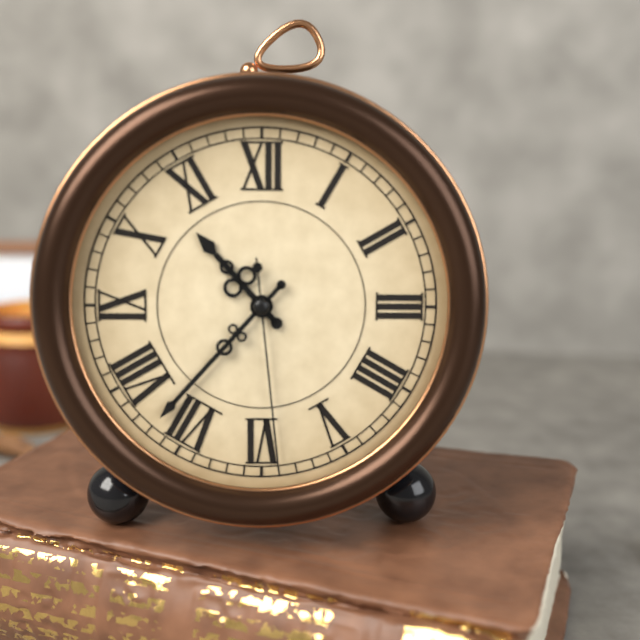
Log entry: **10:37:29**
